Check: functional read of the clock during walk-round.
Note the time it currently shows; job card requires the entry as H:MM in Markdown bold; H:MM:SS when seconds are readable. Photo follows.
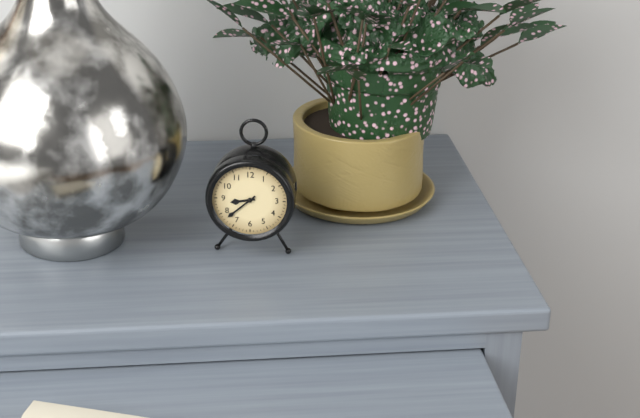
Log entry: **8:38**
